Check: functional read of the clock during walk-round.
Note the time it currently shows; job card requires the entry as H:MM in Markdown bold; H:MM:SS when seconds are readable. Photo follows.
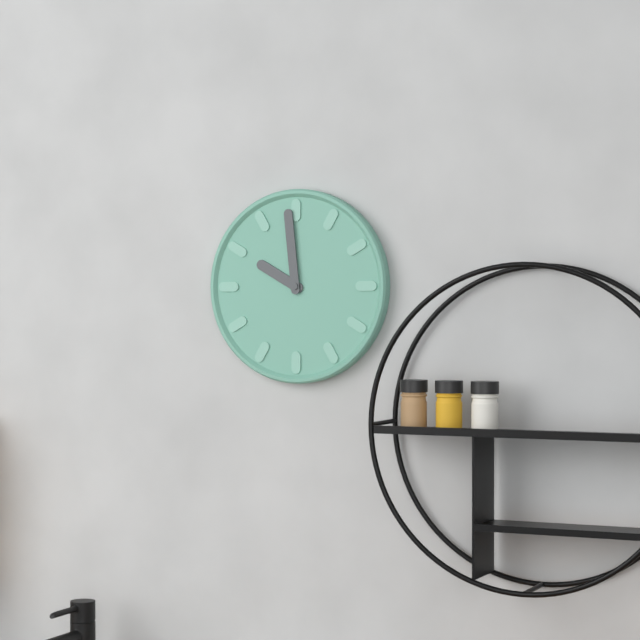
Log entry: **9:59**
